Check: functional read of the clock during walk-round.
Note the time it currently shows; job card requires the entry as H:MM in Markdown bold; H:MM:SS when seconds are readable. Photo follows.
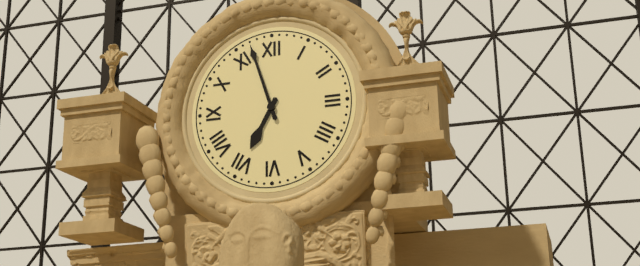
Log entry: **6:57**
